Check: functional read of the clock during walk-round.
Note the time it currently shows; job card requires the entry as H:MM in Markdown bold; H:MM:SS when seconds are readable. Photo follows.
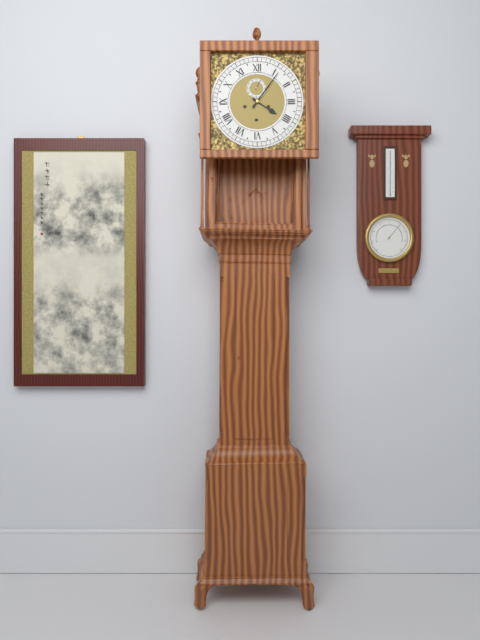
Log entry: **4:06**
